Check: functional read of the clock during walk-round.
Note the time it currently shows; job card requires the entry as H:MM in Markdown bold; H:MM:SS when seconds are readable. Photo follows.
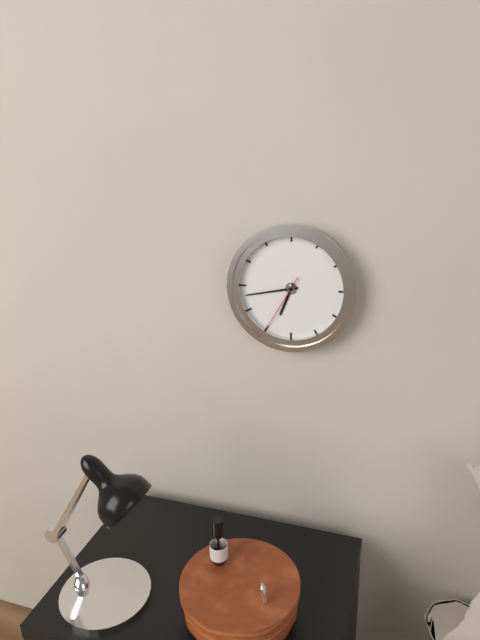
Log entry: **6:43:35**
